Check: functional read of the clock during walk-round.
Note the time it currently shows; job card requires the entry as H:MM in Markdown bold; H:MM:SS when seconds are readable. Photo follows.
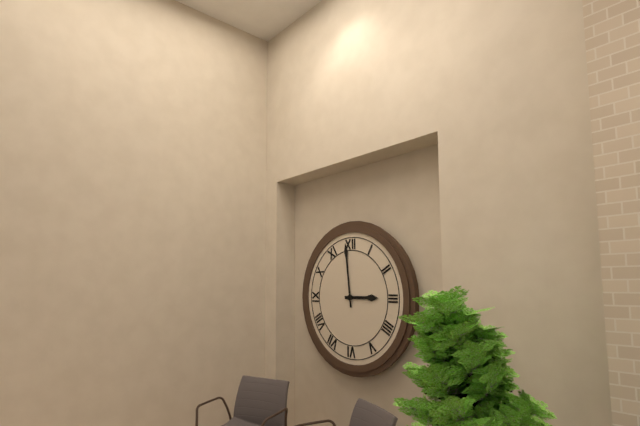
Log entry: **2:59**
